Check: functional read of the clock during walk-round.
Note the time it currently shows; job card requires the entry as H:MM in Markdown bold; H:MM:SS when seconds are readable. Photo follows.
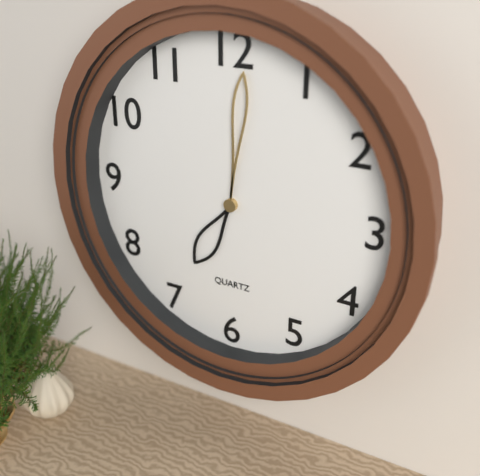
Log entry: **7:01**
